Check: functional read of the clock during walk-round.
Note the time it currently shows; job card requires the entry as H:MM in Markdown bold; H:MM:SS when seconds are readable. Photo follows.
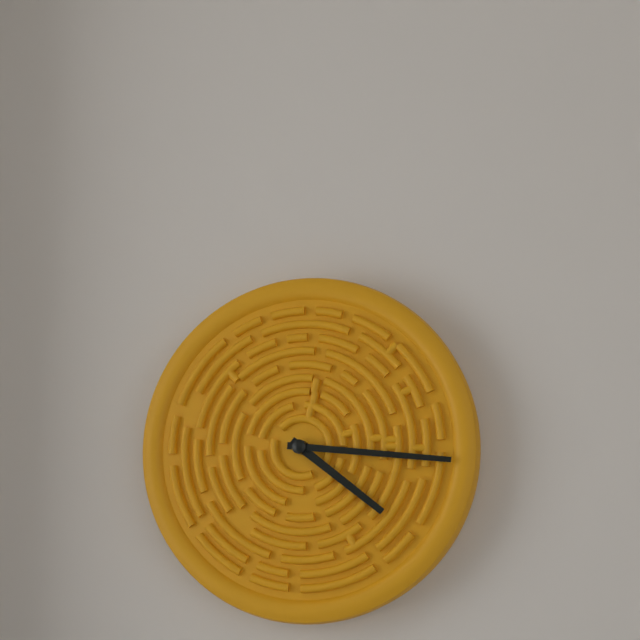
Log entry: **4:16**
